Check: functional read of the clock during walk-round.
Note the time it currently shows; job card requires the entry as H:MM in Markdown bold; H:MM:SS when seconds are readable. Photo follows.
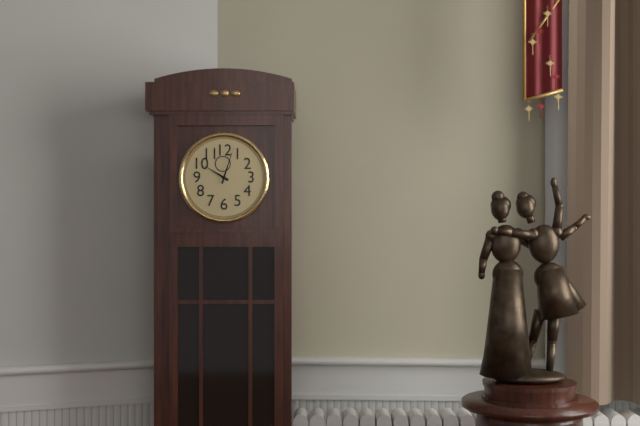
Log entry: **10:03**
